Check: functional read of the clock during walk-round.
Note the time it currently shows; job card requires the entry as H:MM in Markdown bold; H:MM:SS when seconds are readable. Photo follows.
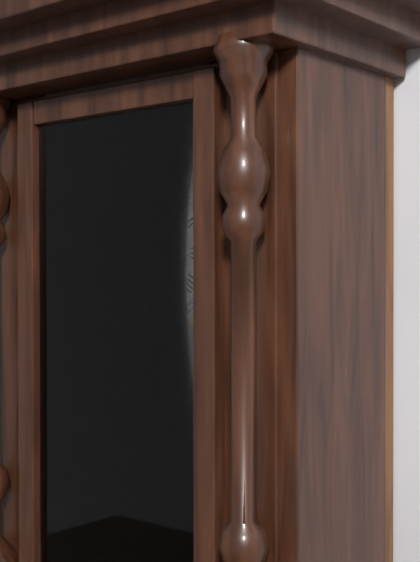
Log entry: **5:07**
